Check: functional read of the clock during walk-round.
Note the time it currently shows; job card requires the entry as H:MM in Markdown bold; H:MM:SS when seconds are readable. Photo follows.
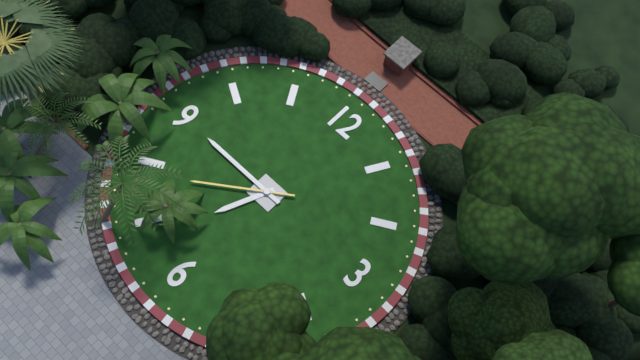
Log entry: **6:45:39**
